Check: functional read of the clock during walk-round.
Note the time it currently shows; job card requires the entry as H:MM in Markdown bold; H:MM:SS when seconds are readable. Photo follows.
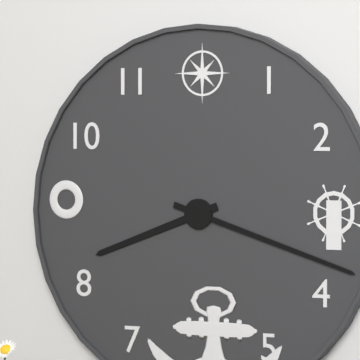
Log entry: **8:18**
